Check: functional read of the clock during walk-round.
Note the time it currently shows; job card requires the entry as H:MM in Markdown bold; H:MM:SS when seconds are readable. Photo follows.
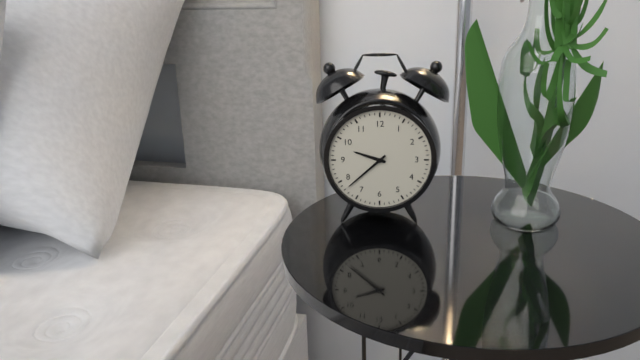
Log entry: **9:38**
